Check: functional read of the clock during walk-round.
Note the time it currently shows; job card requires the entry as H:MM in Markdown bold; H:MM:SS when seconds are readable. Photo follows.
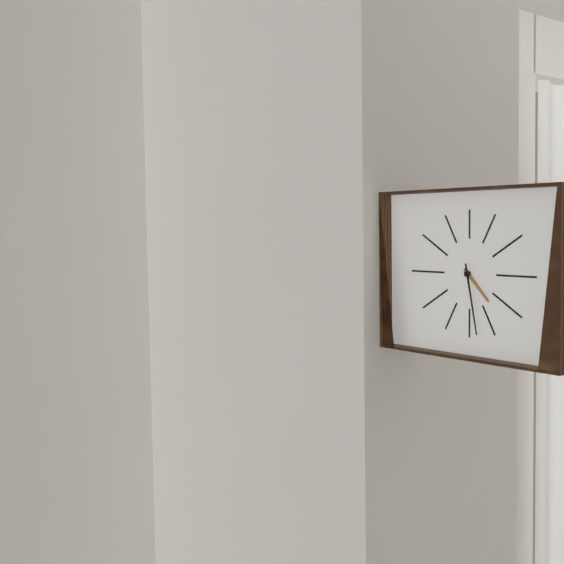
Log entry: **4:28**
